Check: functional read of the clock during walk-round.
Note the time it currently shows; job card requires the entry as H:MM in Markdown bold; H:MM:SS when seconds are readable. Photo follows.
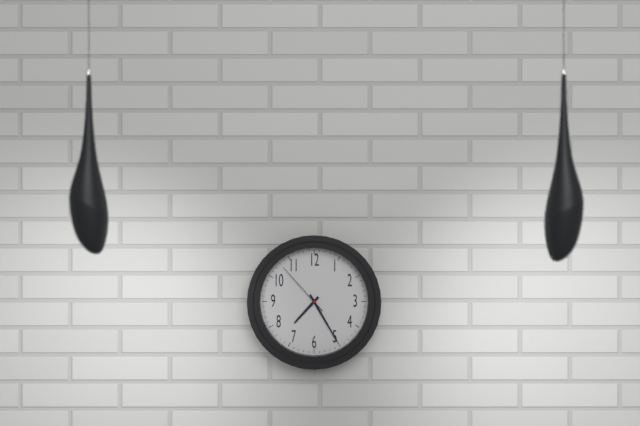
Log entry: **7:25:53**
